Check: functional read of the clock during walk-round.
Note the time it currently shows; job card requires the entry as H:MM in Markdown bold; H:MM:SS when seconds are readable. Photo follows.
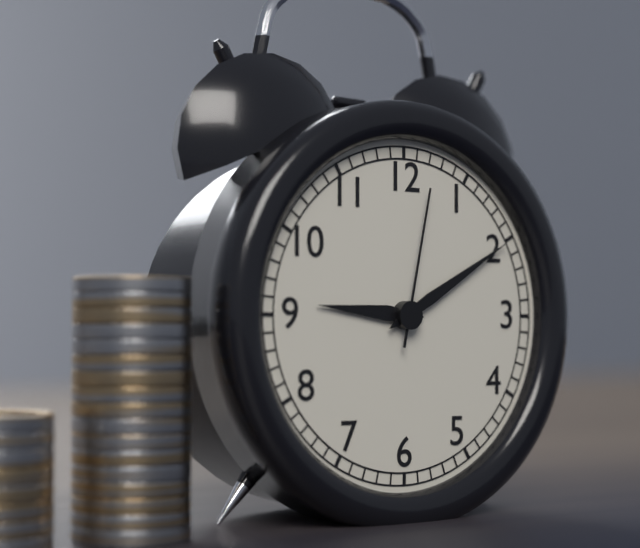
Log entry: **9:10:02**
